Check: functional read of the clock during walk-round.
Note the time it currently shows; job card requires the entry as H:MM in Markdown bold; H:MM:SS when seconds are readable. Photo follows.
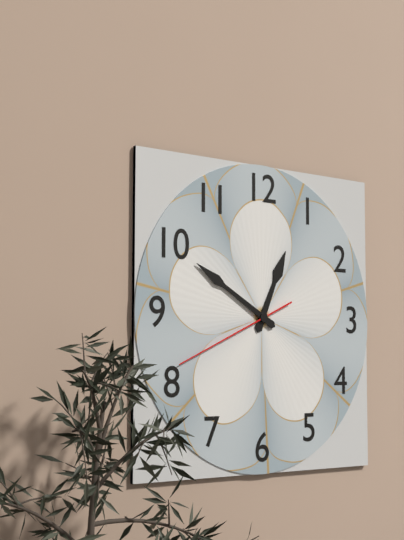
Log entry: **12:50:41**
